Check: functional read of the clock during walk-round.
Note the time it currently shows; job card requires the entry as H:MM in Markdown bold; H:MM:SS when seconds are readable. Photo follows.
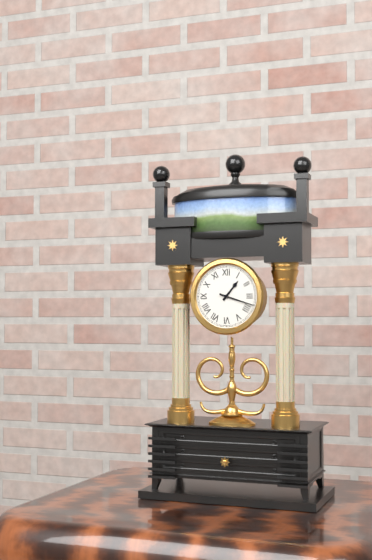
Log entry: **1:18**
